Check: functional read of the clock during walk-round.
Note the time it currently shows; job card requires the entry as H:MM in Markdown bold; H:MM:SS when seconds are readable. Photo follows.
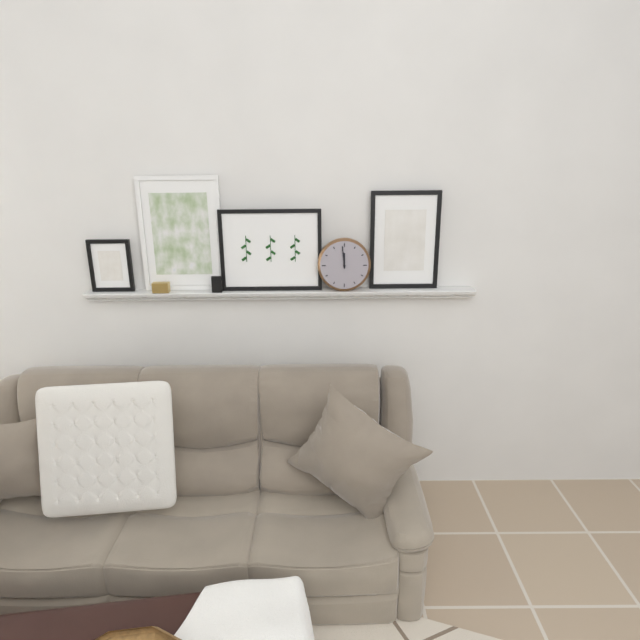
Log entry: **11:59**
